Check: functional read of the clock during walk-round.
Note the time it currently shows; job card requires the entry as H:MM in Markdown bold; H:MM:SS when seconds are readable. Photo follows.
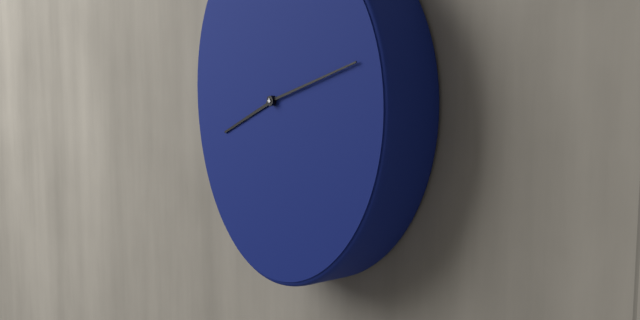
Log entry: **8:12**
